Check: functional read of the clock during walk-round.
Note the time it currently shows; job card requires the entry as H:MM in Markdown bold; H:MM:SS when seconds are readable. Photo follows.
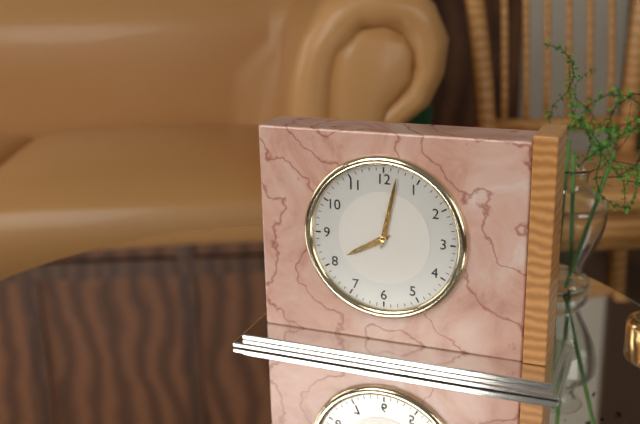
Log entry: **8:02**
